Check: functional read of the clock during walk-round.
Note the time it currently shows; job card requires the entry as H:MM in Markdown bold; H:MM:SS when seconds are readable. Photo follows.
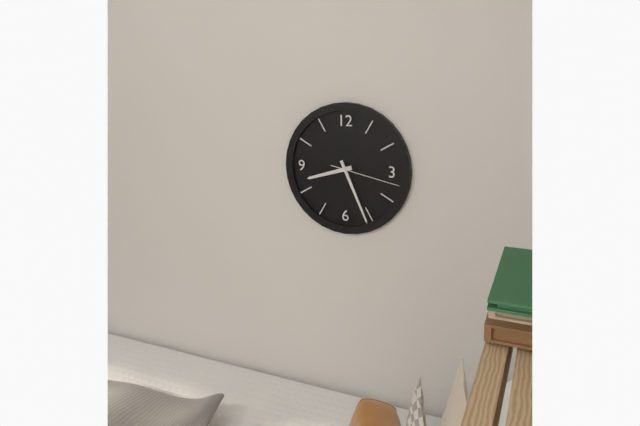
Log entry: **8:26:17**
